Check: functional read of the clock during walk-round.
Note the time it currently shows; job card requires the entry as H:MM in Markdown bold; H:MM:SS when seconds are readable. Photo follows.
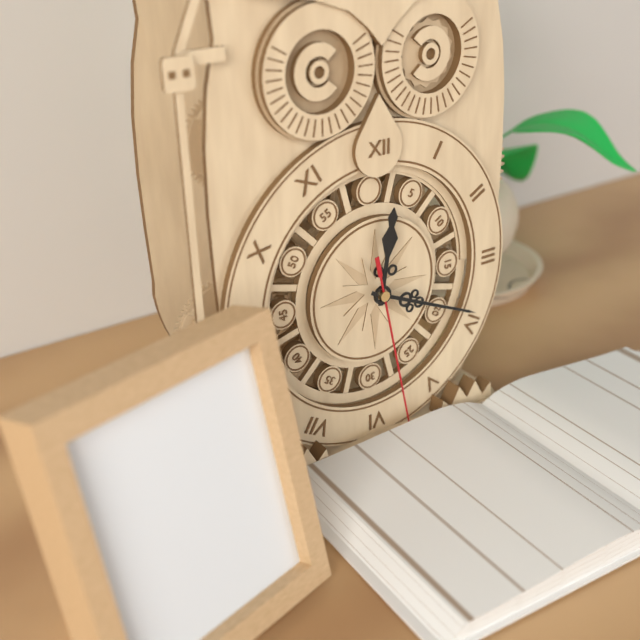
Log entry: **12:19:28**
